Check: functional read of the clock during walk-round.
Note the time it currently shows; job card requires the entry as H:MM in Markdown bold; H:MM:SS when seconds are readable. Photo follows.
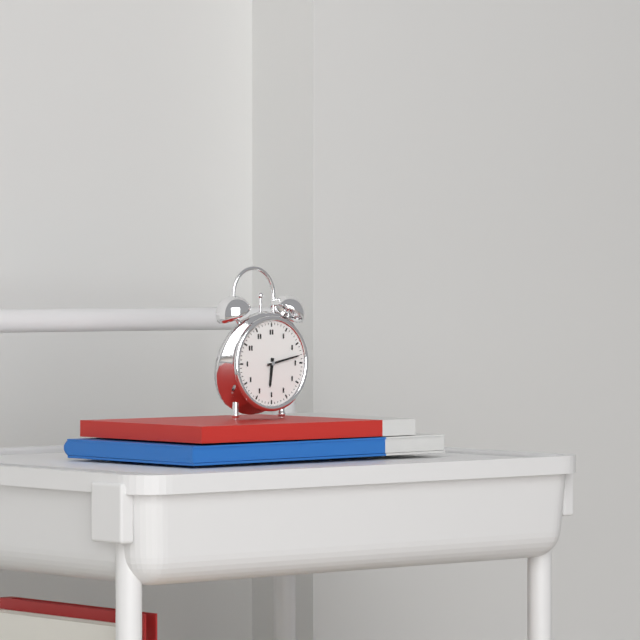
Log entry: **6:13**
